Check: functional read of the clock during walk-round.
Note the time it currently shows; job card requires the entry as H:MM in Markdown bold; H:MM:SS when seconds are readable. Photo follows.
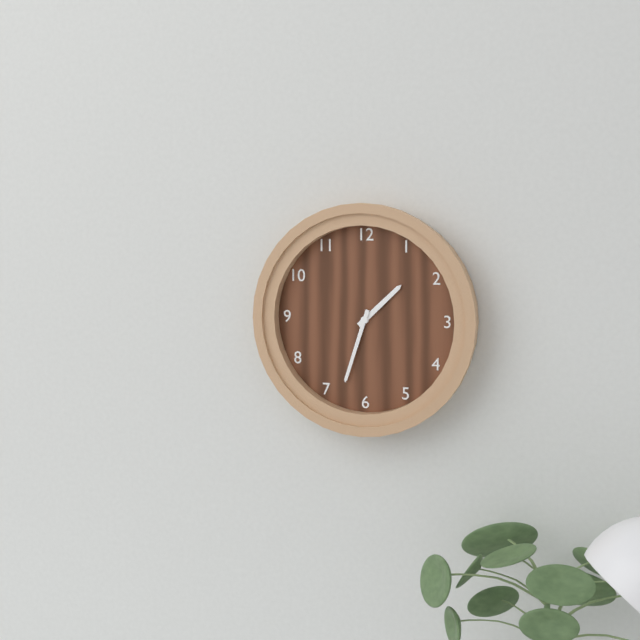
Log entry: **1:33**
